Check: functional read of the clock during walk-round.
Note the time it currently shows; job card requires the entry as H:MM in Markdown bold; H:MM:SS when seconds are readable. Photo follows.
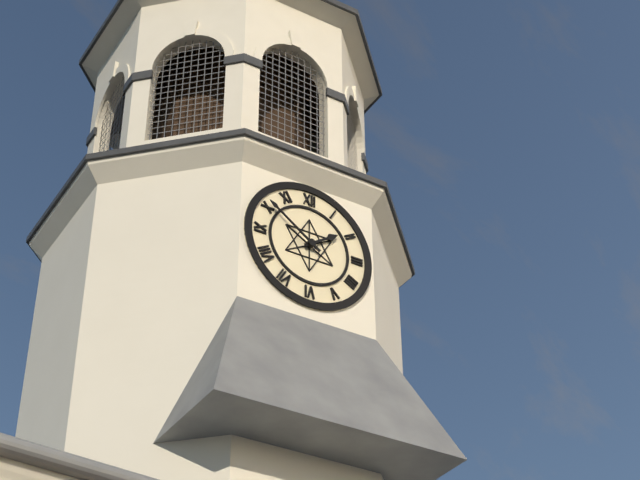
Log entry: **1:51**
